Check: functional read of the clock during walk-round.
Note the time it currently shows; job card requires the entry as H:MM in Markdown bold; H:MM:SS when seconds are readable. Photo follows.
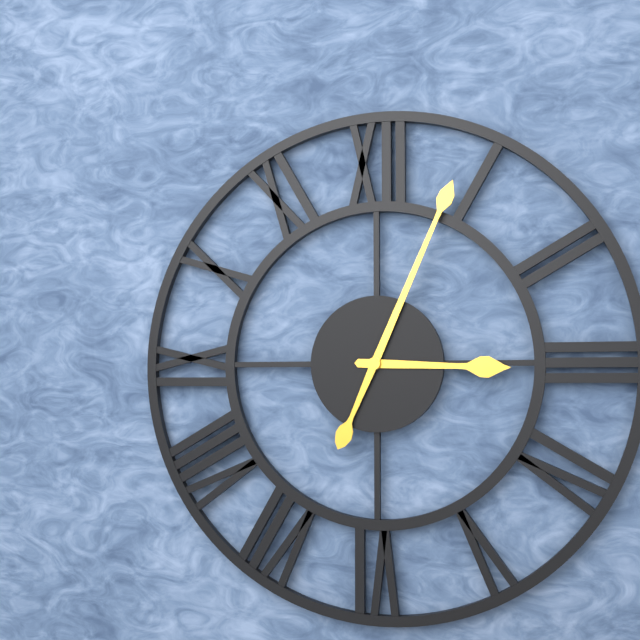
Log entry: **3:04**
